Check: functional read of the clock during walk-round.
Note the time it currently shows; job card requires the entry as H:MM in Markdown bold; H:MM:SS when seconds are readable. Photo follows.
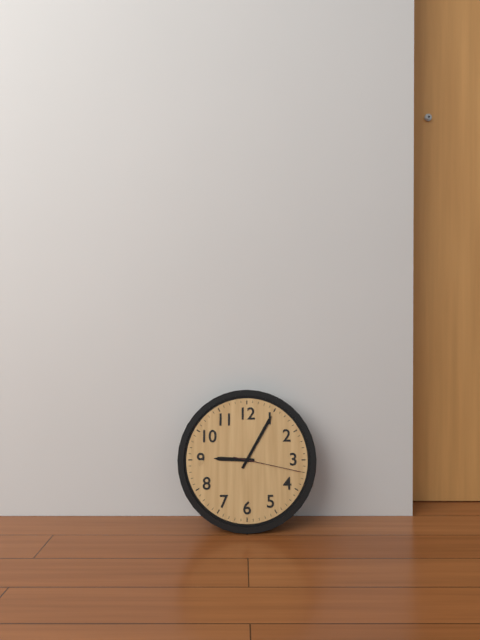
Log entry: **9:05:17**
